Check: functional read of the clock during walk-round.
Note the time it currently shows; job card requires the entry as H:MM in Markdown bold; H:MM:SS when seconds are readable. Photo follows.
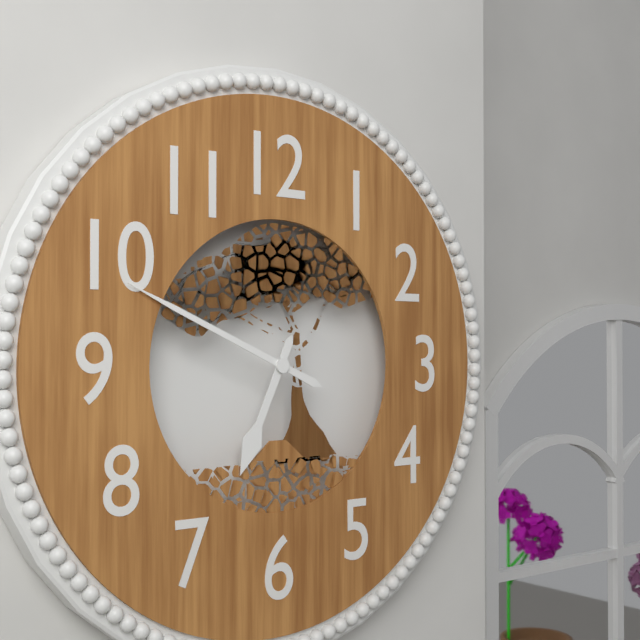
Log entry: **6:49**
